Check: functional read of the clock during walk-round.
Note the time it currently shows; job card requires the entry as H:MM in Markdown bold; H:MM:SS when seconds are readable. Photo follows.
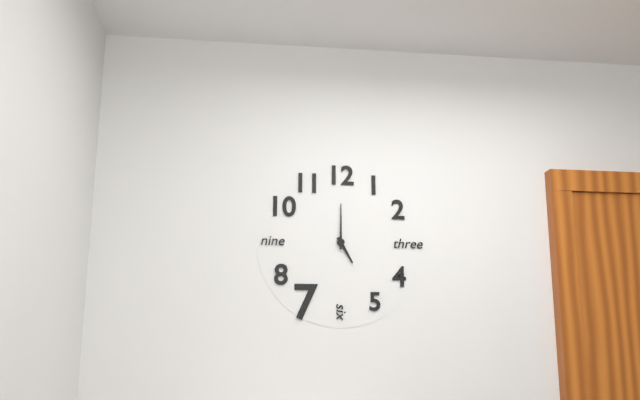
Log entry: **5:00**
